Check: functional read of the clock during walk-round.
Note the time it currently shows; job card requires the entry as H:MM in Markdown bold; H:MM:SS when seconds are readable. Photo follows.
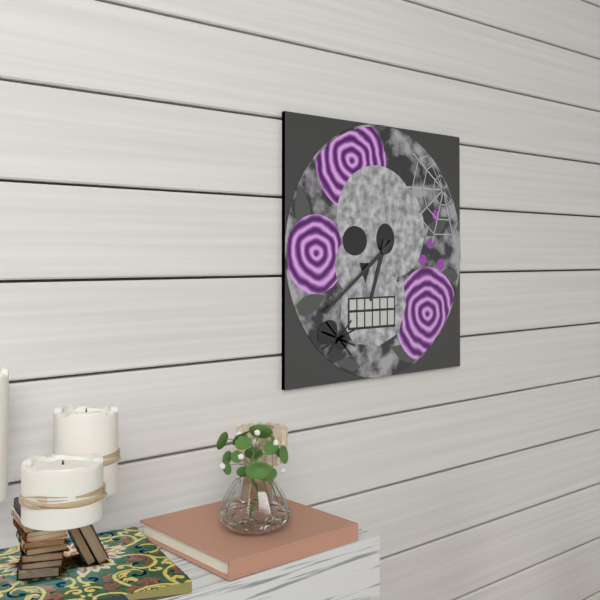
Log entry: **6:39**
